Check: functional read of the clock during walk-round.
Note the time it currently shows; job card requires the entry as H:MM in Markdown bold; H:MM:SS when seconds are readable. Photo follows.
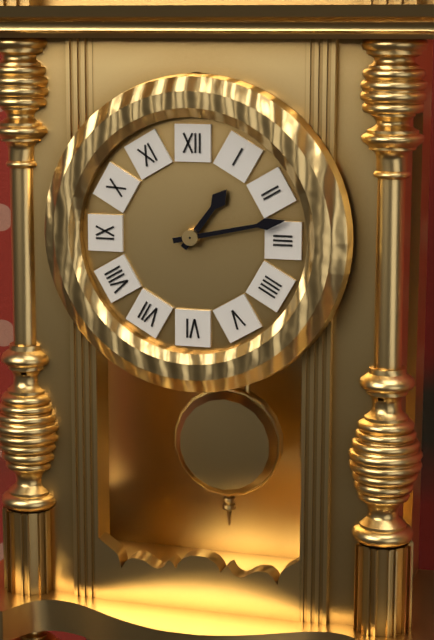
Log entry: **1:13**
